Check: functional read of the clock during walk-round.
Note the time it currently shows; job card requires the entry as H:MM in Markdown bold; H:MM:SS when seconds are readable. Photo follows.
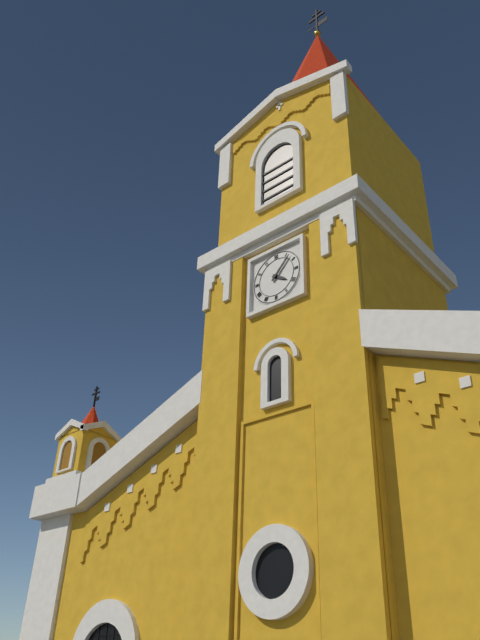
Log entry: **4:07**
